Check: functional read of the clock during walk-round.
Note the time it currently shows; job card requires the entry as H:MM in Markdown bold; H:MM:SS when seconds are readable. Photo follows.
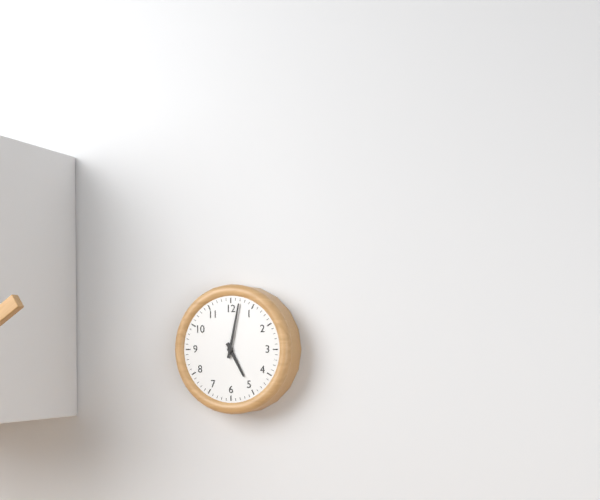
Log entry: **5:02**
